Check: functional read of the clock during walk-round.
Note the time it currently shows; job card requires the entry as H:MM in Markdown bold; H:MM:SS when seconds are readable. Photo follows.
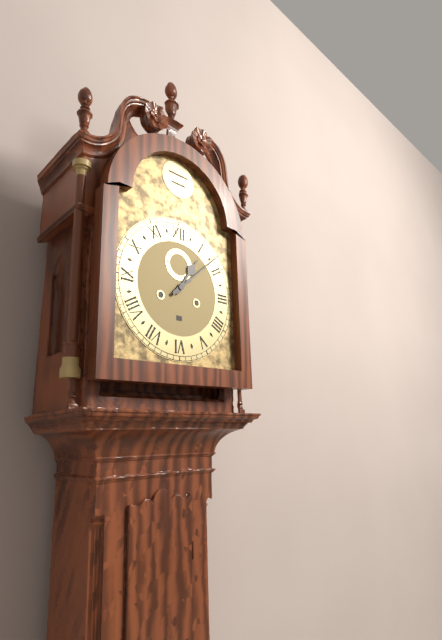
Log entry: **1:08**
